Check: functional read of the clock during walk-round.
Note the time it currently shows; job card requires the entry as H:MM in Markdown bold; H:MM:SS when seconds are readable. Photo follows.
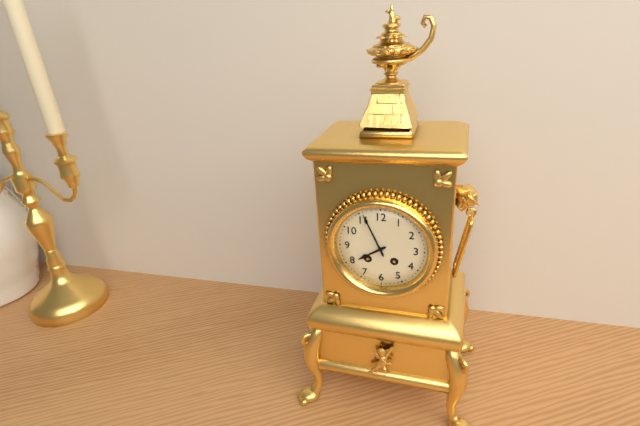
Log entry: **7:56**
